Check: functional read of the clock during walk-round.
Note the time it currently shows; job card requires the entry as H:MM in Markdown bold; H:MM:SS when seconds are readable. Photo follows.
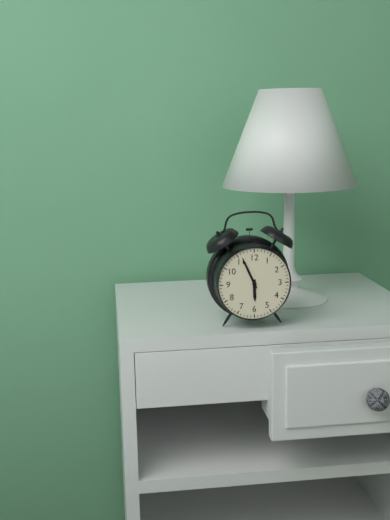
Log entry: **5:56**
